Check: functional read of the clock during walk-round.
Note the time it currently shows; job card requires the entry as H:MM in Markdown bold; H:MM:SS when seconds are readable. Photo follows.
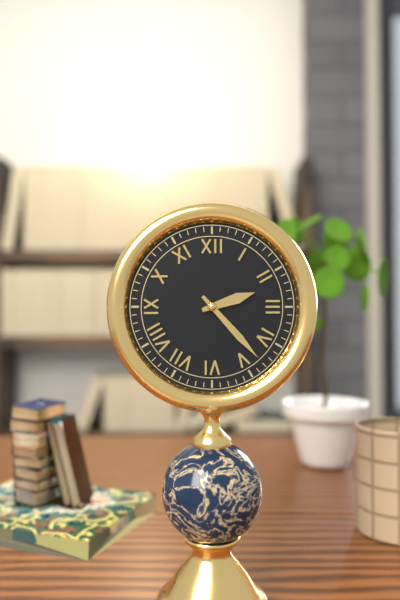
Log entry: **2:23**
